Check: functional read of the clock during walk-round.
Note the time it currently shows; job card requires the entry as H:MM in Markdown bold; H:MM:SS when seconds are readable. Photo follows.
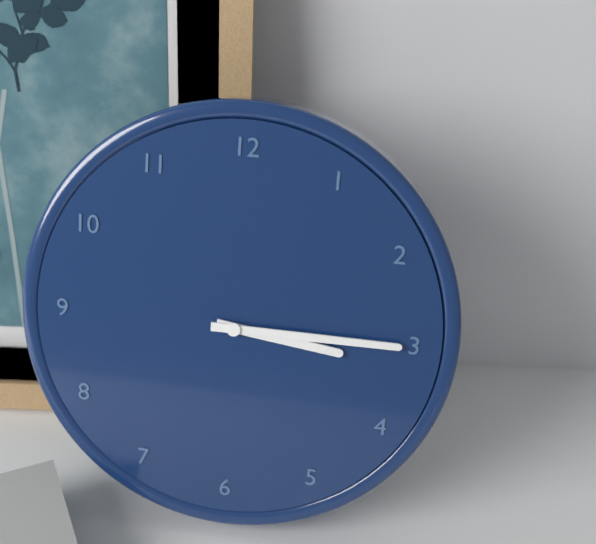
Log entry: **3:15**
